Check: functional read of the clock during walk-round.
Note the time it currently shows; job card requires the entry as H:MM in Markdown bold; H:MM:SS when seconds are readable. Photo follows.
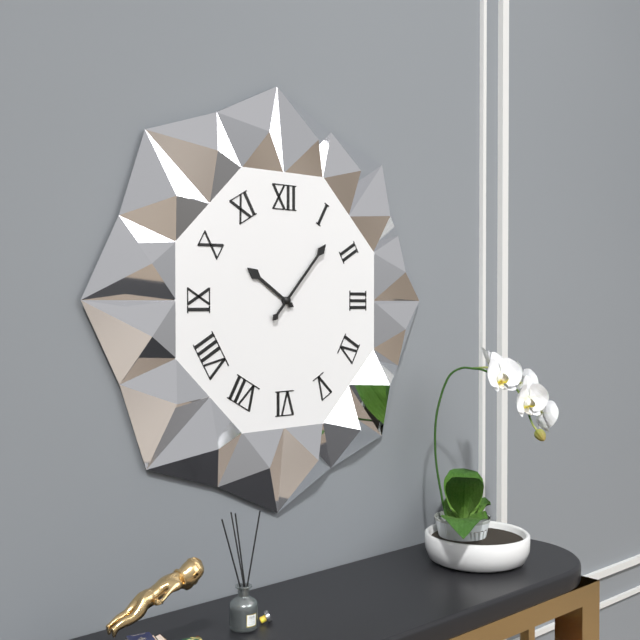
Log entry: **10:07**
